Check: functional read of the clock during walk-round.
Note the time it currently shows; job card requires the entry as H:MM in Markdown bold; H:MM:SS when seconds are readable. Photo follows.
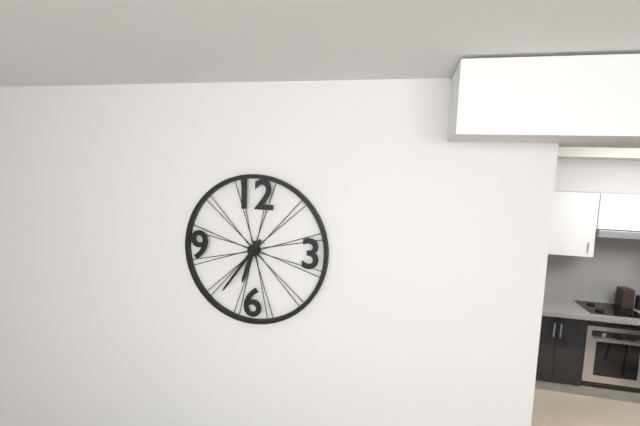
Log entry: **6:36**
